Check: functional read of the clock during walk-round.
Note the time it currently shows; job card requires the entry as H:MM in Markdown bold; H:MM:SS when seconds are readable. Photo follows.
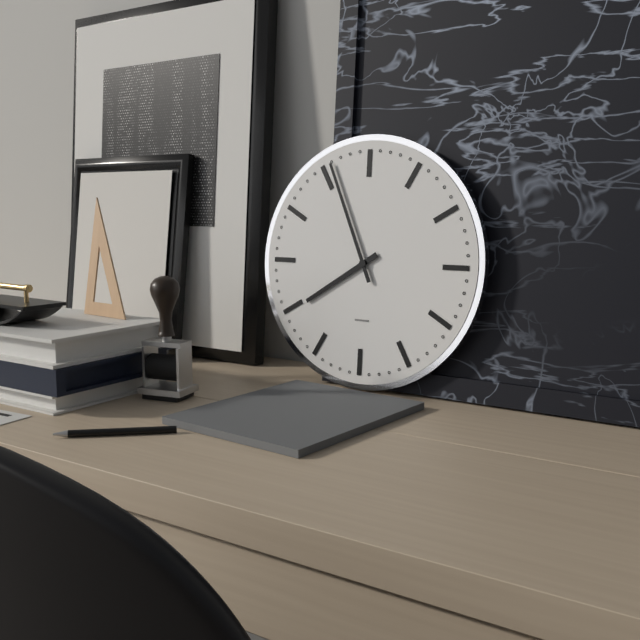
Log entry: **7:56**
